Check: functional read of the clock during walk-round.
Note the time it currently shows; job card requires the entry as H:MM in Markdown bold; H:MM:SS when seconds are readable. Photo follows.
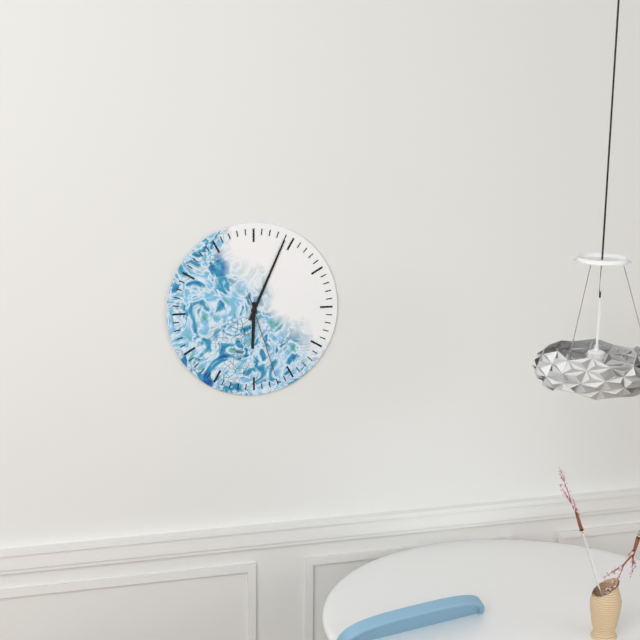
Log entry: **6:04:27**
